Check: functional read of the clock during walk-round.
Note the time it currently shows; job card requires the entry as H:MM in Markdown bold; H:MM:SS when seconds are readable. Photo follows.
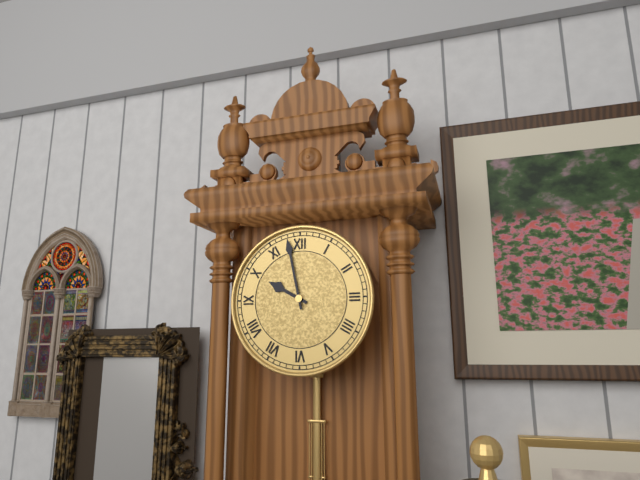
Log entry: **9:58**
